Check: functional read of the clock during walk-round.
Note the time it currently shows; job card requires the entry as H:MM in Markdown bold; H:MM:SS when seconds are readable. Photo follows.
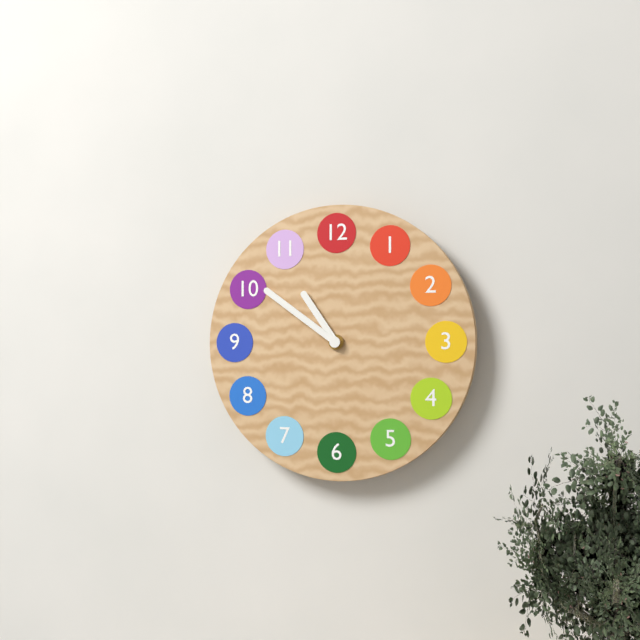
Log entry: **10:51**
